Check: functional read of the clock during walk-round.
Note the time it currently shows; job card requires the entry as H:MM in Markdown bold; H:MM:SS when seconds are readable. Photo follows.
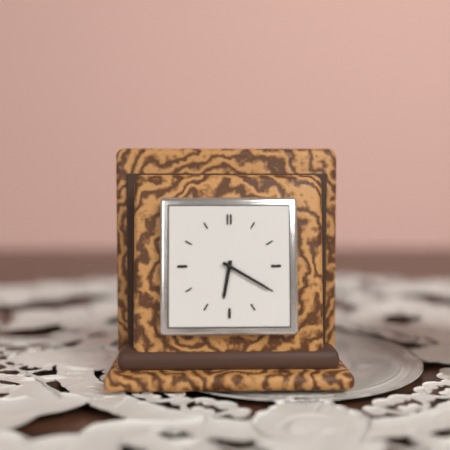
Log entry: **6:20**
